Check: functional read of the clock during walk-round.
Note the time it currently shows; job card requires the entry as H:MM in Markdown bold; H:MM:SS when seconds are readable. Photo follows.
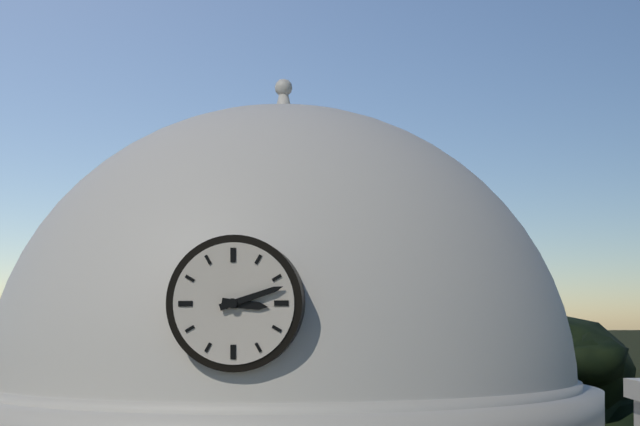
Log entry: **3:12**
